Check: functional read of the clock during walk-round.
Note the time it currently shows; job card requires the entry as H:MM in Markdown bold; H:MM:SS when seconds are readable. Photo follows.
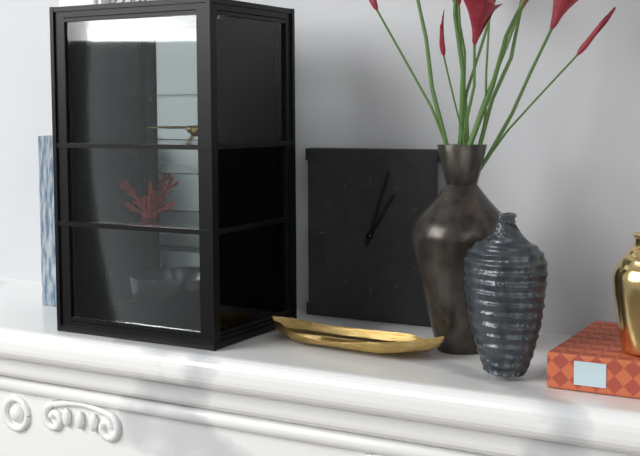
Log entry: **1:03**
